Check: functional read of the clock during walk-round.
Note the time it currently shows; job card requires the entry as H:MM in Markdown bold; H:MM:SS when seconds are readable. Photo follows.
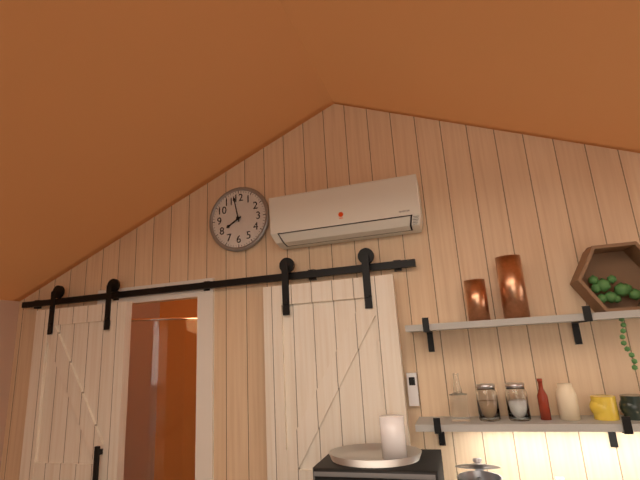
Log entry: **7:58**
